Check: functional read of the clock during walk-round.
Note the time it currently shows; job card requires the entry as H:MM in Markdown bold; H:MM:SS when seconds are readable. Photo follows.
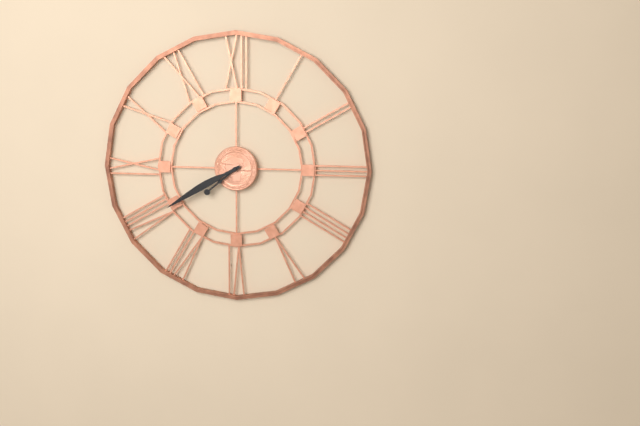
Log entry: **7:40**
